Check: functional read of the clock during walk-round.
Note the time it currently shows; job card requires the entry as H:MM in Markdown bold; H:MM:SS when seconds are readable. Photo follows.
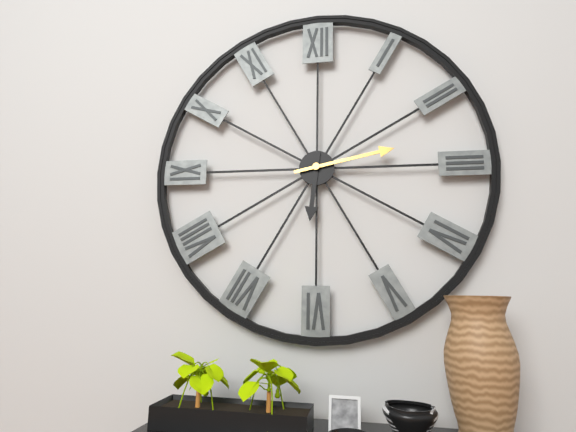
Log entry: **6:13**
